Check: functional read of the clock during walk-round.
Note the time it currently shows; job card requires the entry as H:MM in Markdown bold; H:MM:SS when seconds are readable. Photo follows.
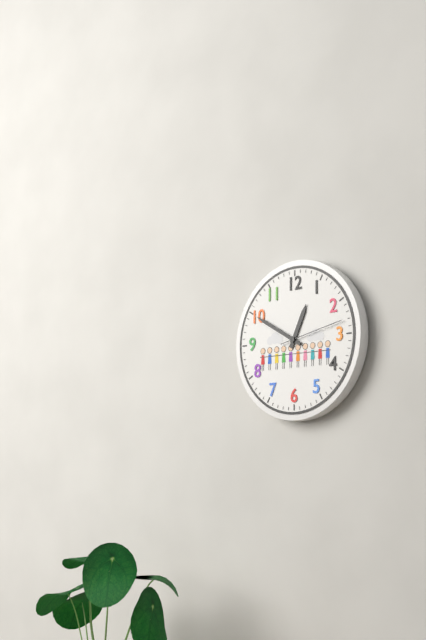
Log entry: **12:50:13**
